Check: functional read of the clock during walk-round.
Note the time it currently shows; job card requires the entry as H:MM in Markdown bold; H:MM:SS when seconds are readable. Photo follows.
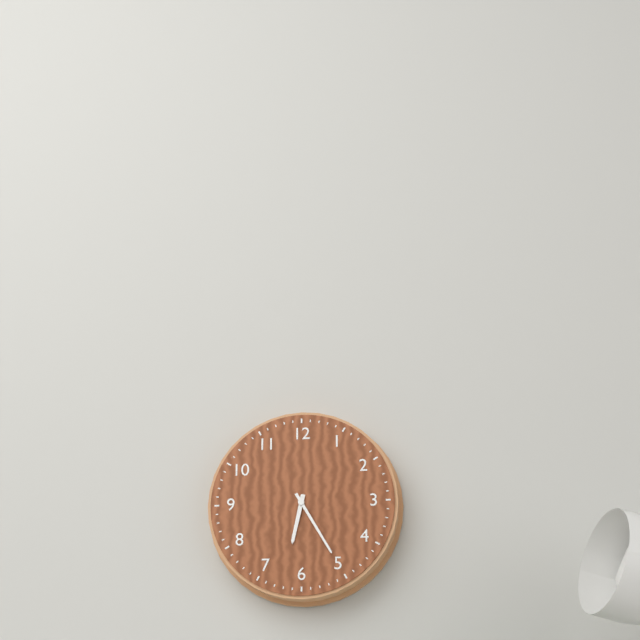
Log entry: **6:25**
